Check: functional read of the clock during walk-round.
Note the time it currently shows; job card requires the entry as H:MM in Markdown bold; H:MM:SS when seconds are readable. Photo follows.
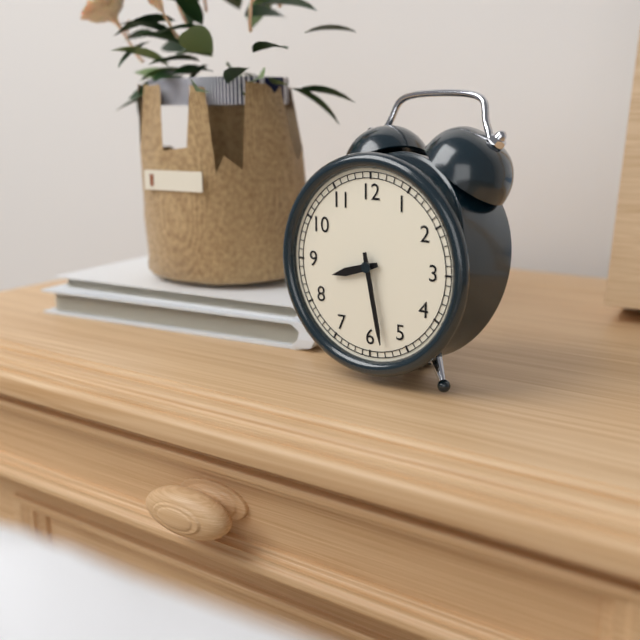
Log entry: **8:28**
